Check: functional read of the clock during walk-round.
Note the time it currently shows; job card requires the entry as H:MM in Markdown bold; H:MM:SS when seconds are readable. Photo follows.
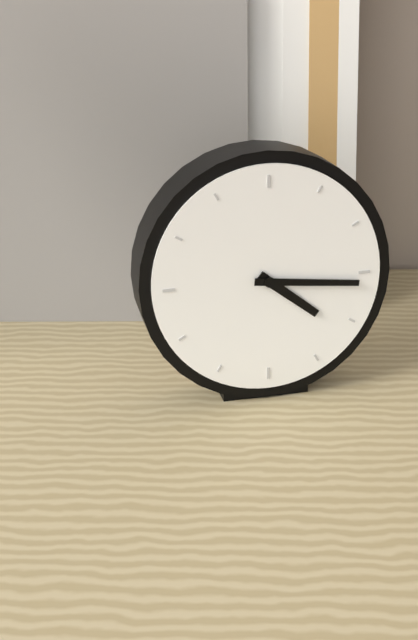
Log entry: **4:16**
